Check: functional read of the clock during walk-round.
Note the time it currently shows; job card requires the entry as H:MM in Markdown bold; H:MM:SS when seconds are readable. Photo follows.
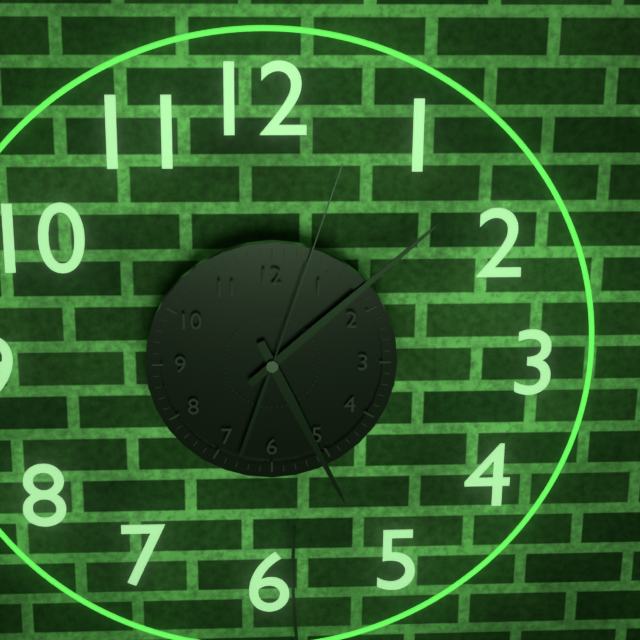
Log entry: **5:08:03**
